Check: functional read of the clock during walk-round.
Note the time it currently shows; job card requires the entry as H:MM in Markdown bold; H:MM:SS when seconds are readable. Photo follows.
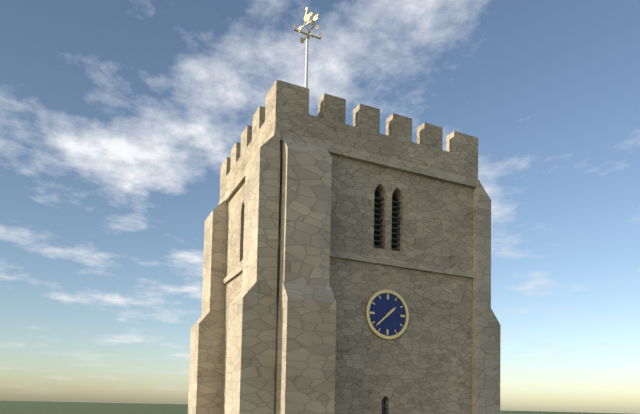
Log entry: **1:38**
